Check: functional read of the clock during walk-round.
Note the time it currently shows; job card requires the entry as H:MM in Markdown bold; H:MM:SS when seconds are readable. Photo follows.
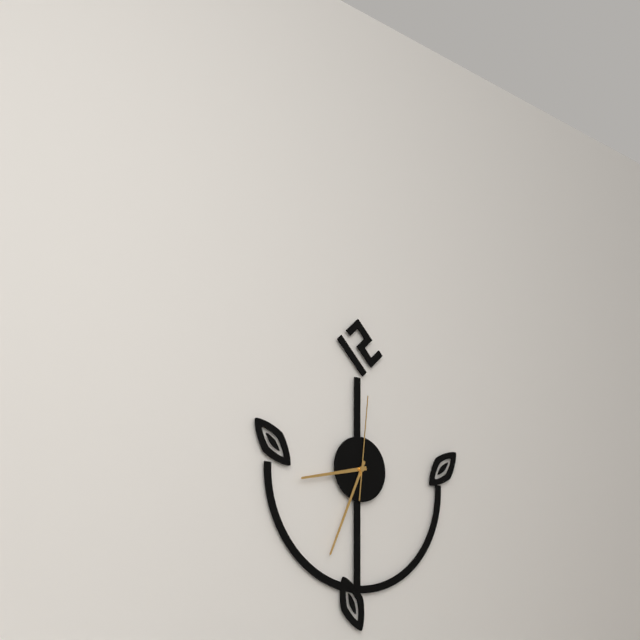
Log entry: **8:34:01**
